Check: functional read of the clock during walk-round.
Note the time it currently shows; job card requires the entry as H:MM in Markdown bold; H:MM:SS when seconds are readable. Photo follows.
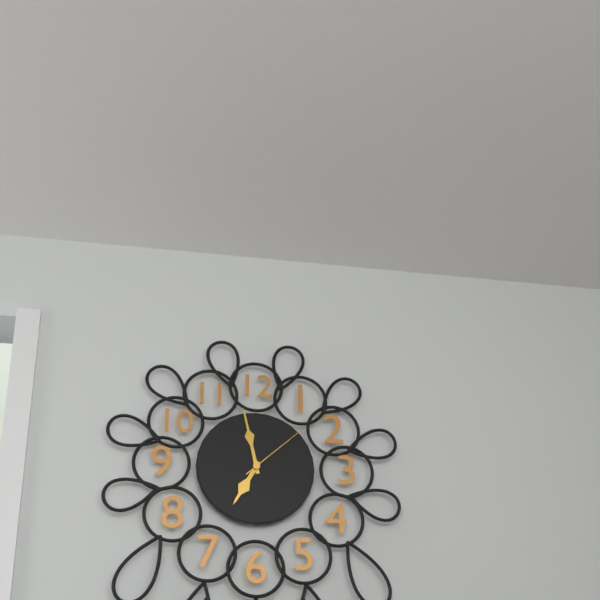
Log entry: **6:58:08**
